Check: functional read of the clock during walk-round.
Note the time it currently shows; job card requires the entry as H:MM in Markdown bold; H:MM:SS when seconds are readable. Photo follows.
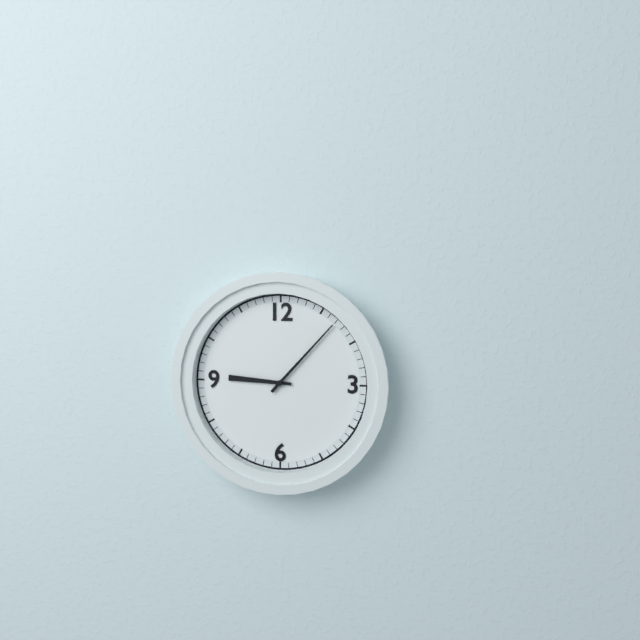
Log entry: **9:07**
